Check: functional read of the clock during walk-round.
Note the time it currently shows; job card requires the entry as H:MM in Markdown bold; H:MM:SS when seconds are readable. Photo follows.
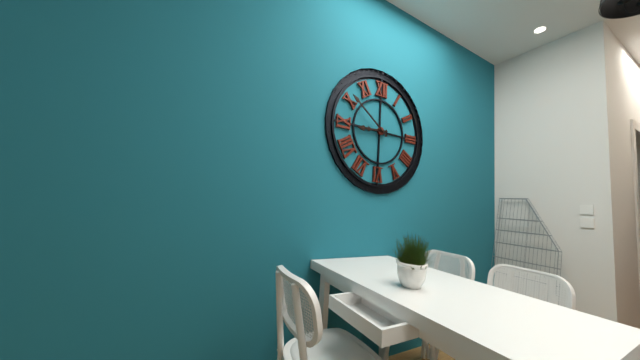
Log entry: **8:51**
